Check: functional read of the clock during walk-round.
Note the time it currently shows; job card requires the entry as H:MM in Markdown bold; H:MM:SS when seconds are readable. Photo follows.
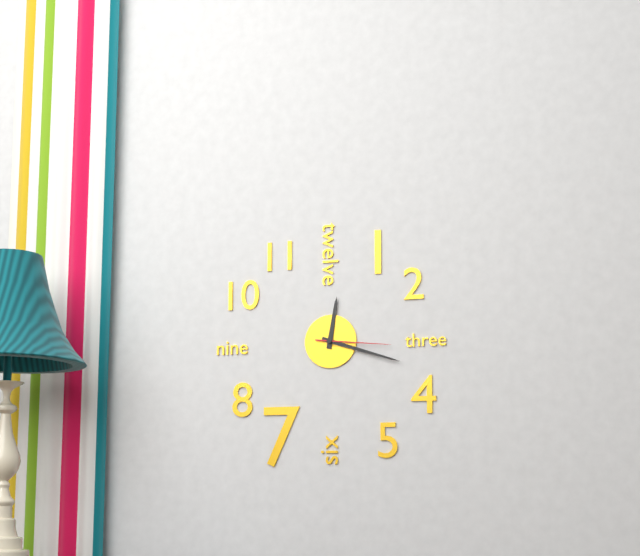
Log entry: **12:18:16**
